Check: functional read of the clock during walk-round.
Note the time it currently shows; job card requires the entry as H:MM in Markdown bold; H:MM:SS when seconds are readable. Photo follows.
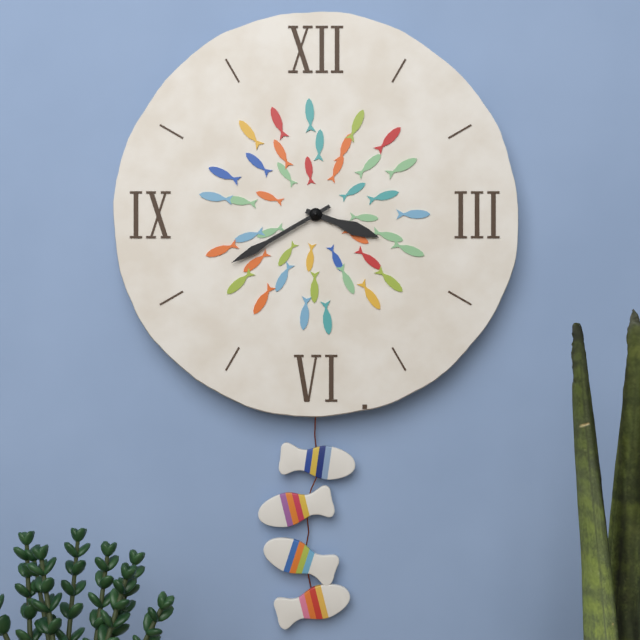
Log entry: **3:40**
